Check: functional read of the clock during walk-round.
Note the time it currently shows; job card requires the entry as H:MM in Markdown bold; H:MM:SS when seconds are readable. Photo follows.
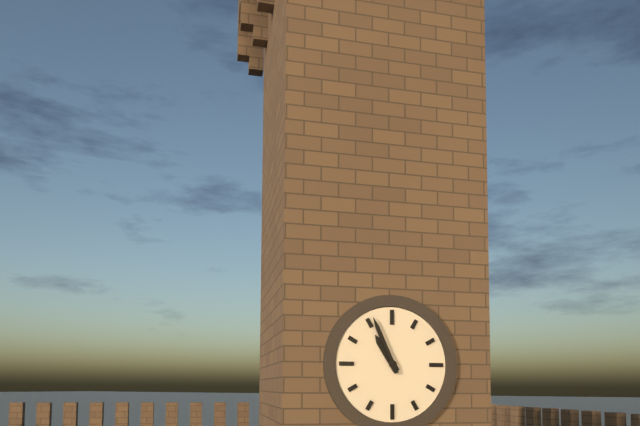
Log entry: **10:56**
